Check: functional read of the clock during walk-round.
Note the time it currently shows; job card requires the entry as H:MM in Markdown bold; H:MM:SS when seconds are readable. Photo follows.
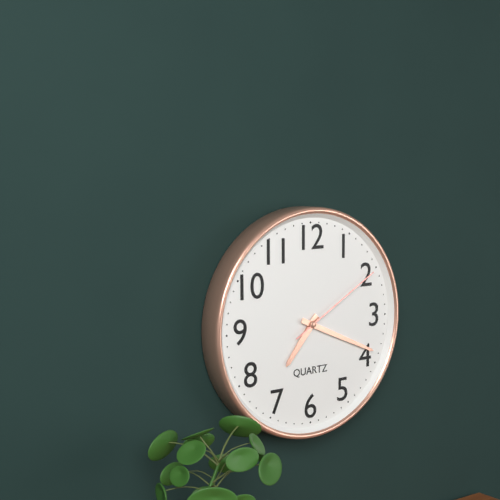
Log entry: **7:19:10**
